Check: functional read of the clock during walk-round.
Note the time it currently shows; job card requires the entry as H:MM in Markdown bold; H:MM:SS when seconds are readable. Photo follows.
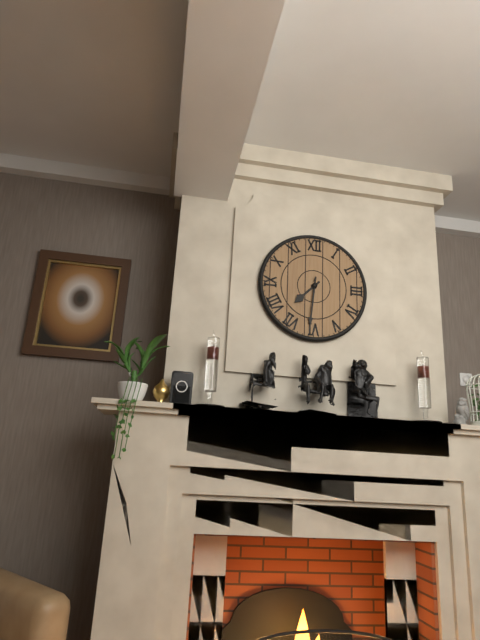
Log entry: **7:31**
